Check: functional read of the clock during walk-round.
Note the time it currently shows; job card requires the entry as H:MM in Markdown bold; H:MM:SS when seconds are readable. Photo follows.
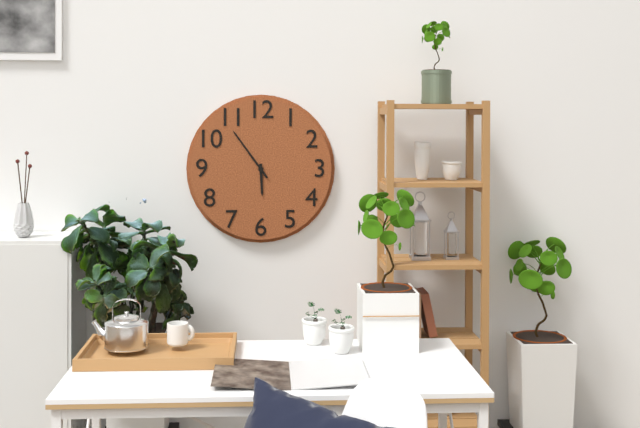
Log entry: **5:54**
